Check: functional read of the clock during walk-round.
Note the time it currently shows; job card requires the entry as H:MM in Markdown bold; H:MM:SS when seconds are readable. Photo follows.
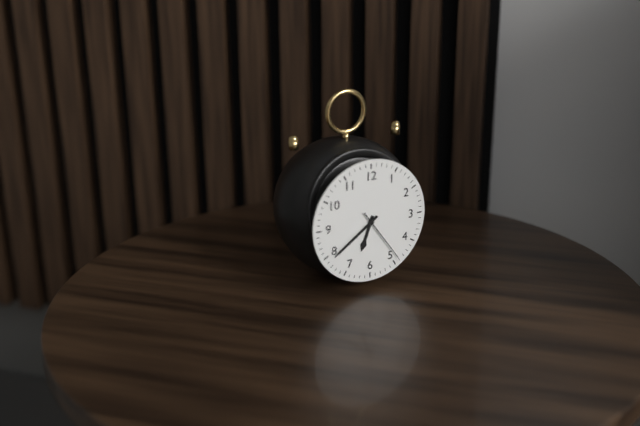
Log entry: **6:39:24**
